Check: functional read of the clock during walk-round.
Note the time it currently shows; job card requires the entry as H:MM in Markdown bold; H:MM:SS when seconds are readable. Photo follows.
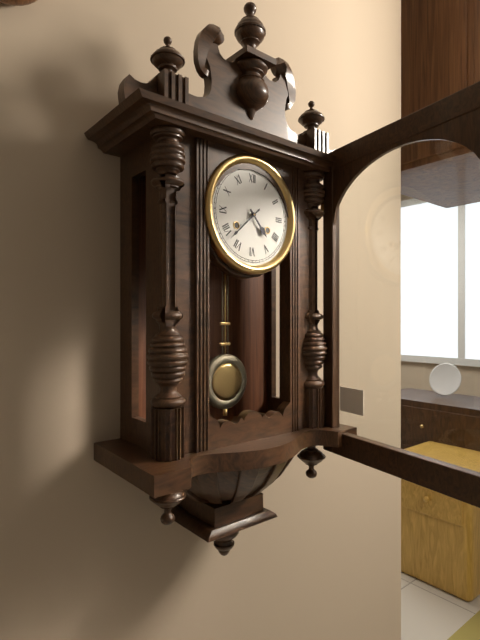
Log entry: **4:38**
